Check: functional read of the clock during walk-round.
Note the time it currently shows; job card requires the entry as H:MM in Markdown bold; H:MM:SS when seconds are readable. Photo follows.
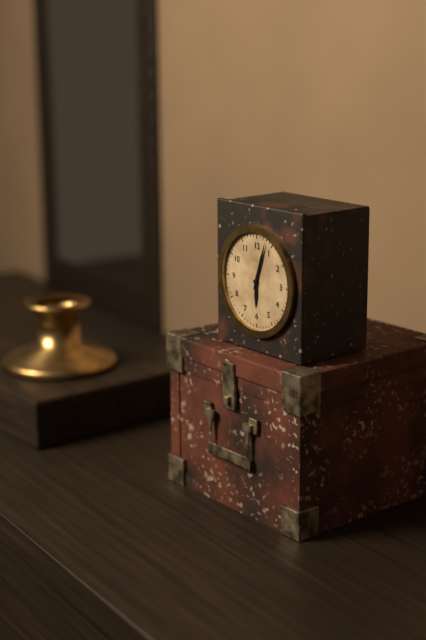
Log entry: **6:03**
